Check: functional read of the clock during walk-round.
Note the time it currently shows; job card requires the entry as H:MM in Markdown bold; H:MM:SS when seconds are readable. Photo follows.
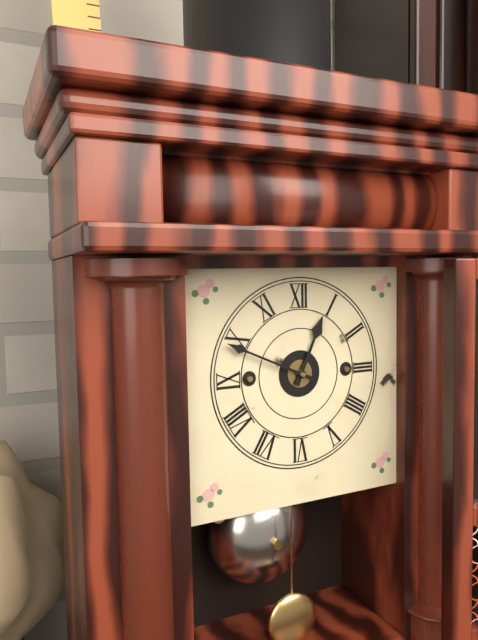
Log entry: **12:49**
